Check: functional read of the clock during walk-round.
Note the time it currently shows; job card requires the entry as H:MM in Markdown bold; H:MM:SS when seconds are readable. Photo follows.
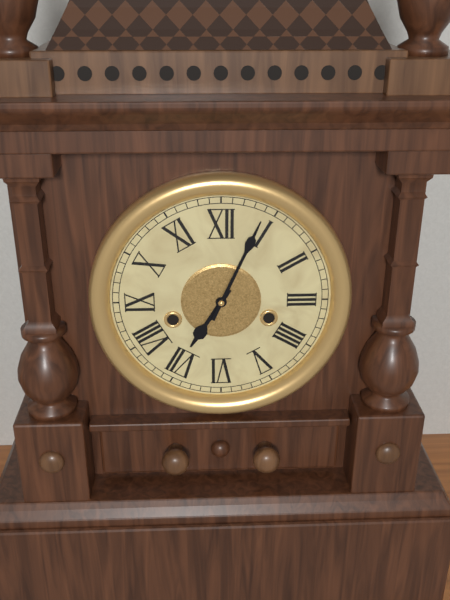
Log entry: **7:04**
